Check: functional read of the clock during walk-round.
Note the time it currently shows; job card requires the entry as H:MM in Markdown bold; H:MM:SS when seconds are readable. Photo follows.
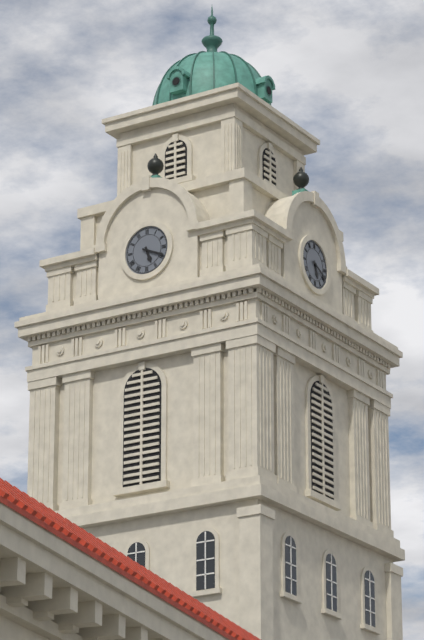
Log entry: **5:19**
